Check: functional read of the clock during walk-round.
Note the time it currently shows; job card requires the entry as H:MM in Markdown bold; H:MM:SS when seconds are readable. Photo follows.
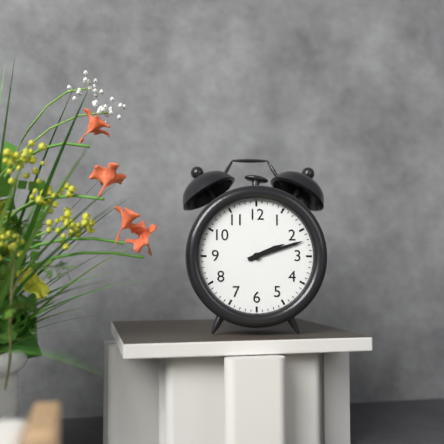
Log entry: **2:12**
